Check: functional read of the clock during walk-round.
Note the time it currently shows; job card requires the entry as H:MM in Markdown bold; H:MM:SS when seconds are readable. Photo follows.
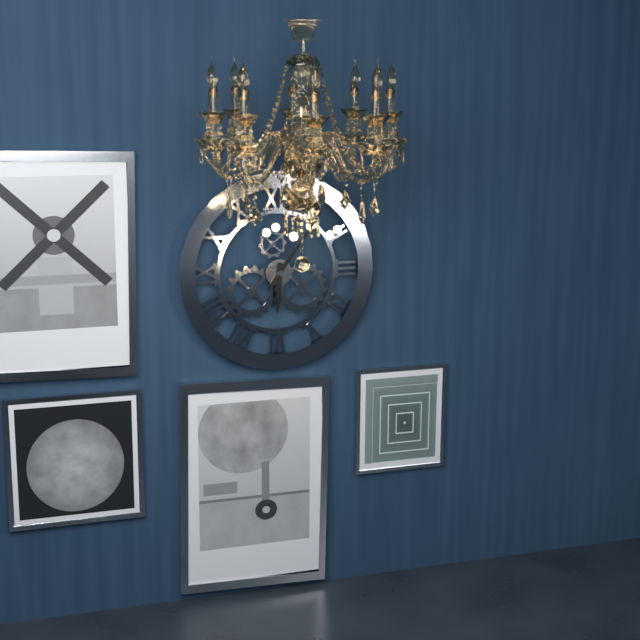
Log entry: **6:06**
